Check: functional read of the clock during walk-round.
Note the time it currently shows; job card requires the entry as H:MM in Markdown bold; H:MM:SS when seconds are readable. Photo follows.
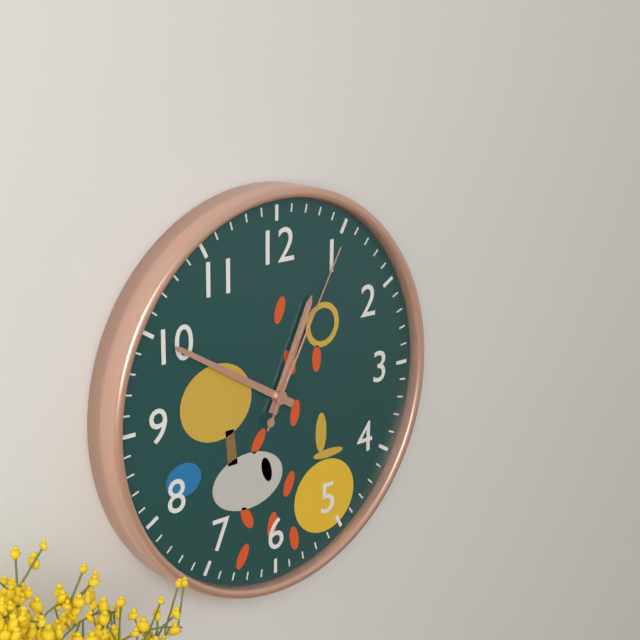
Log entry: **12:50:05**
